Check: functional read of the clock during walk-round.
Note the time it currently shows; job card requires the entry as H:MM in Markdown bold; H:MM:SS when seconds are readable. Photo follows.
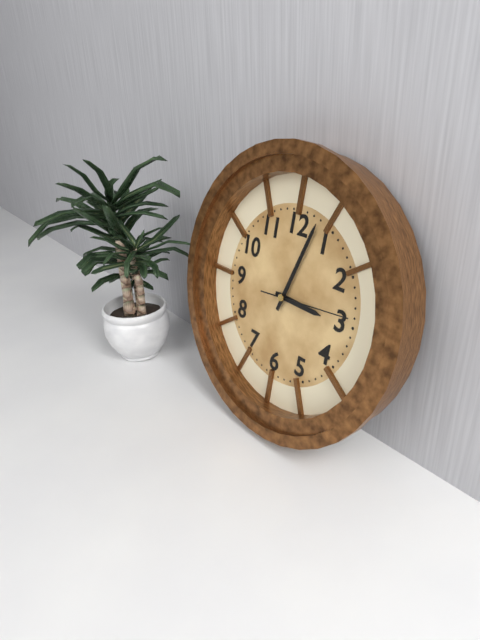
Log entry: **3:03:14**
